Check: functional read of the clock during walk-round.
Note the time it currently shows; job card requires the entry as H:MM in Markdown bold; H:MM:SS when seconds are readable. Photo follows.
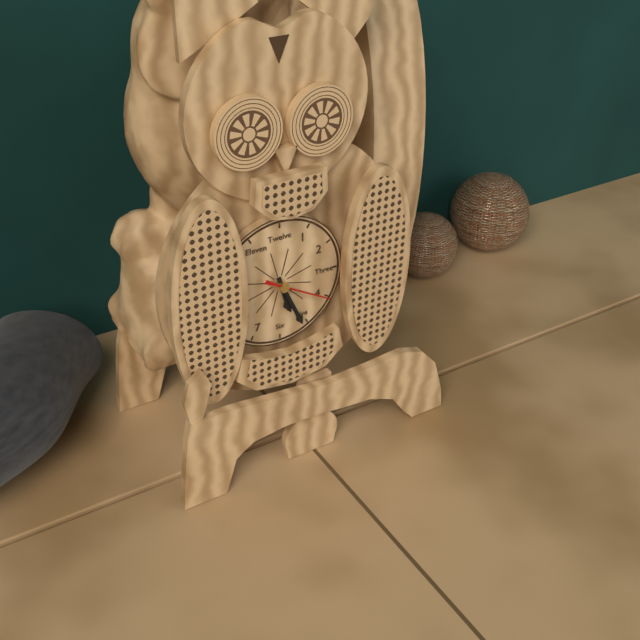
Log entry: **5:26:20**
